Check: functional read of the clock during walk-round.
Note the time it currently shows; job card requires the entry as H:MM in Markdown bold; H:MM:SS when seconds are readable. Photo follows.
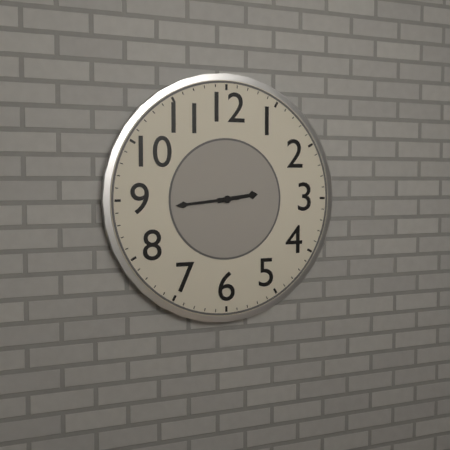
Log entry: **2:44**
